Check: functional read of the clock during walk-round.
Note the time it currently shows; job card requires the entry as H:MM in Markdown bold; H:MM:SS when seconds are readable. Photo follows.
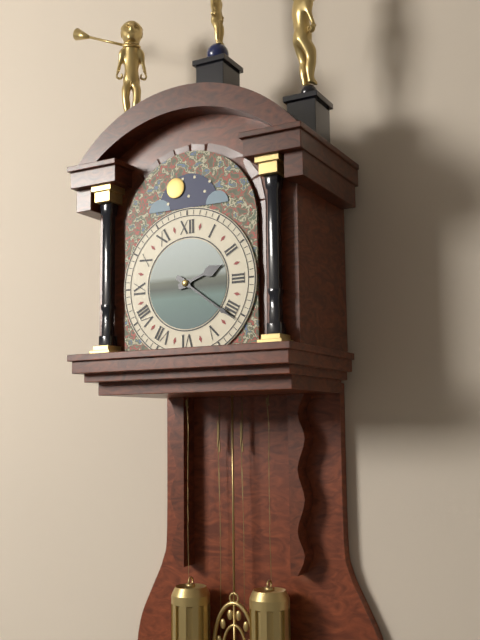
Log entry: **2:21**
